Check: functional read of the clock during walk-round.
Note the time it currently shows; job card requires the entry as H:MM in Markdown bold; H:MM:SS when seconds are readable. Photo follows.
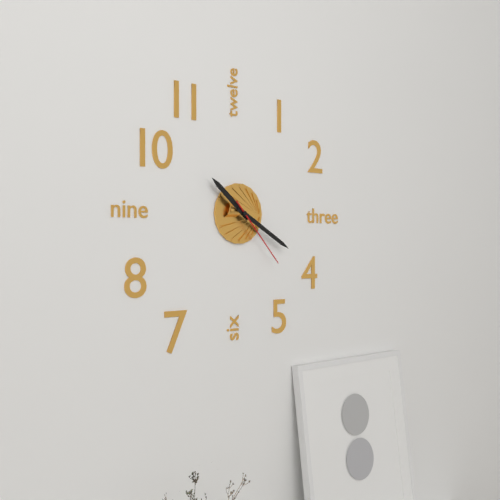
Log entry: **10:20:23**
